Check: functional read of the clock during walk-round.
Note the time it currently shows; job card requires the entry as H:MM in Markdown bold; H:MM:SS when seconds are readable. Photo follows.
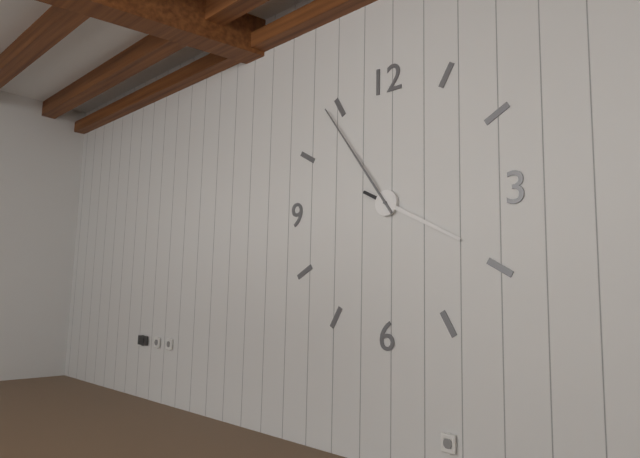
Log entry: **3:54**
